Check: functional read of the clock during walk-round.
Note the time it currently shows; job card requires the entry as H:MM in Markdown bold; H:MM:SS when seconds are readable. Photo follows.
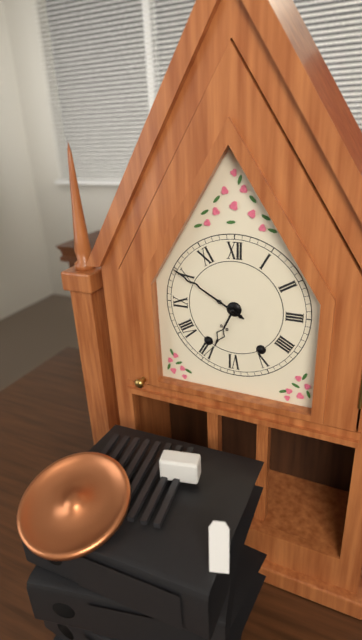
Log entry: **6:50**
